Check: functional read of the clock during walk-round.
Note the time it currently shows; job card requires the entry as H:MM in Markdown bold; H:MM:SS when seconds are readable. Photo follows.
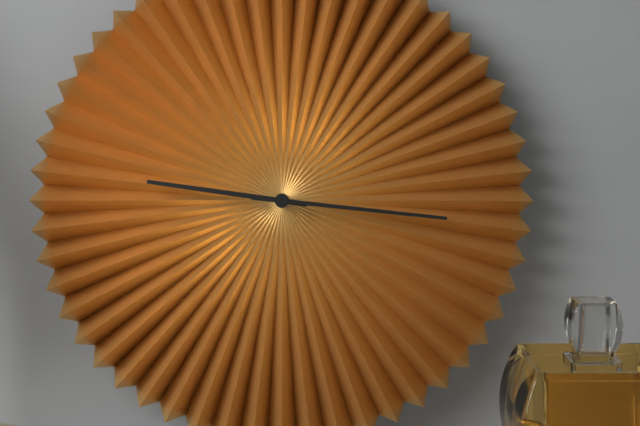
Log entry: **9:16**
